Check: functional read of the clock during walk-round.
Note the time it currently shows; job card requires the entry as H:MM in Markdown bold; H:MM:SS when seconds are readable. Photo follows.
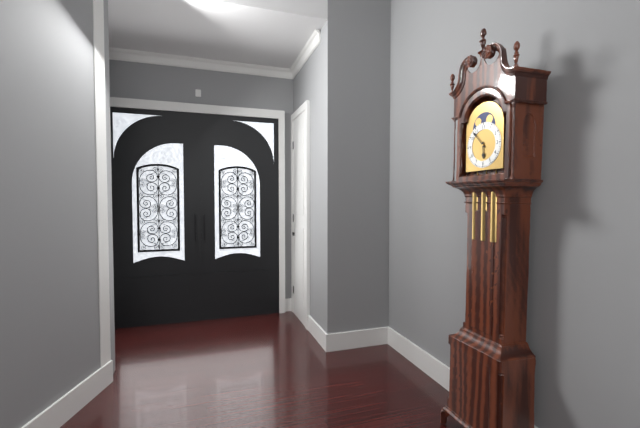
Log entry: **5:53**
